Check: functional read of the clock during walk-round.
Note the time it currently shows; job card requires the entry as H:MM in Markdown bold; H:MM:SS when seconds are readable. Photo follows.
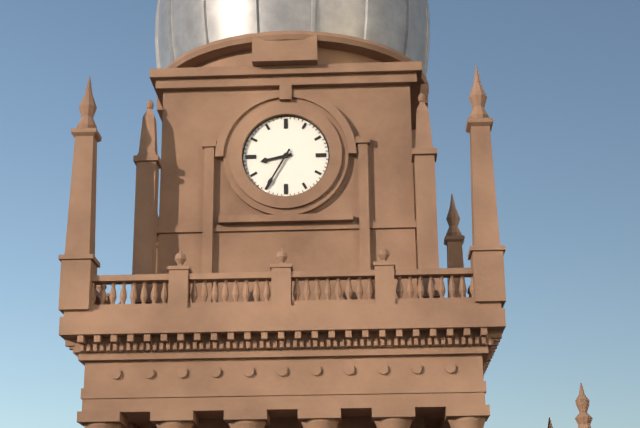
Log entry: **8:35**
